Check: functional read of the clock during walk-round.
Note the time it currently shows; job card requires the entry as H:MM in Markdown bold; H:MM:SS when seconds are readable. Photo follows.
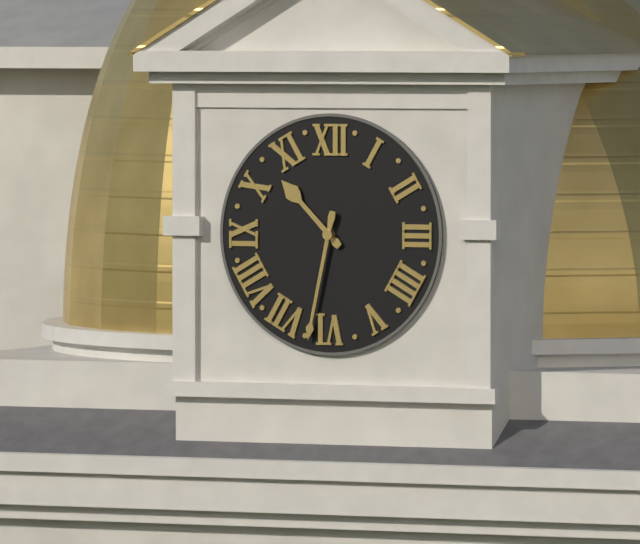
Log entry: **10:32**
